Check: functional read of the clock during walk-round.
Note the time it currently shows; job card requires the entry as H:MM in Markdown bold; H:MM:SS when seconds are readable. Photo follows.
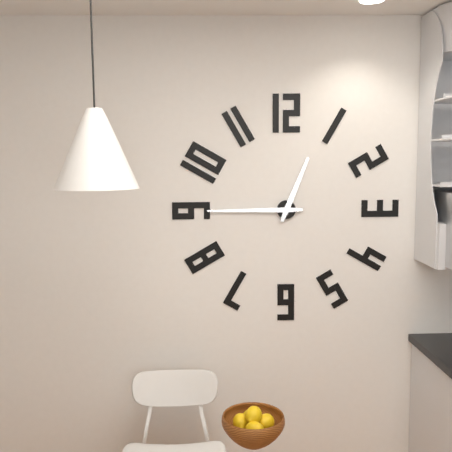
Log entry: **12:45**
